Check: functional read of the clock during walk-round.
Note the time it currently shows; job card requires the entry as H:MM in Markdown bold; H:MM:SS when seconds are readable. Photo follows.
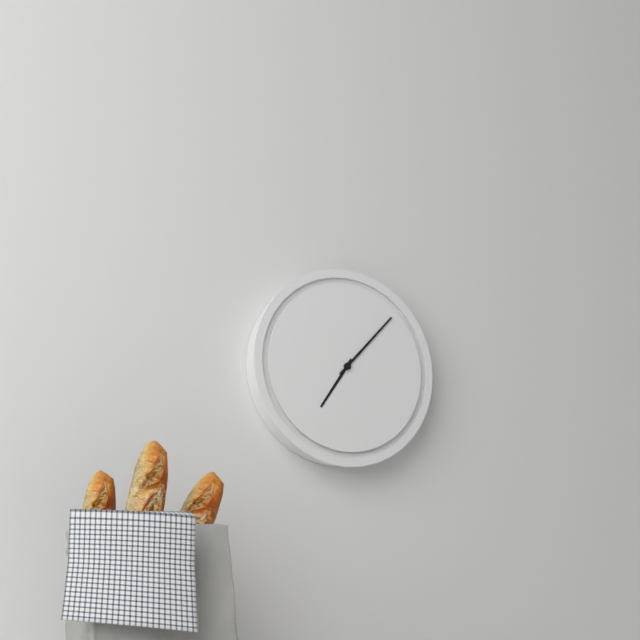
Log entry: **7:07**
